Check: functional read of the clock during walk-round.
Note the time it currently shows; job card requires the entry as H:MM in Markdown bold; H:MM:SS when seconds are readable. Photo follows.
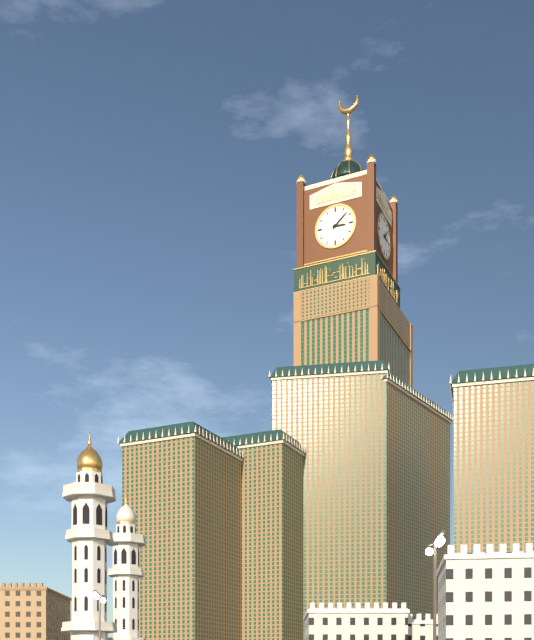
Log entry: **3:08**
